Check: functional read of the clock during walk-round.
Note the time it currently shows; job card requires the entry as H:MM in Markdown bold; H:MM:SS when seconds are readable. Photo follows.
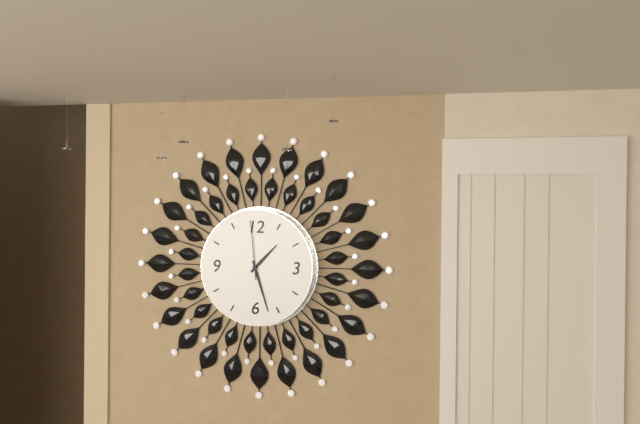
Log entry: **1:27:59**
